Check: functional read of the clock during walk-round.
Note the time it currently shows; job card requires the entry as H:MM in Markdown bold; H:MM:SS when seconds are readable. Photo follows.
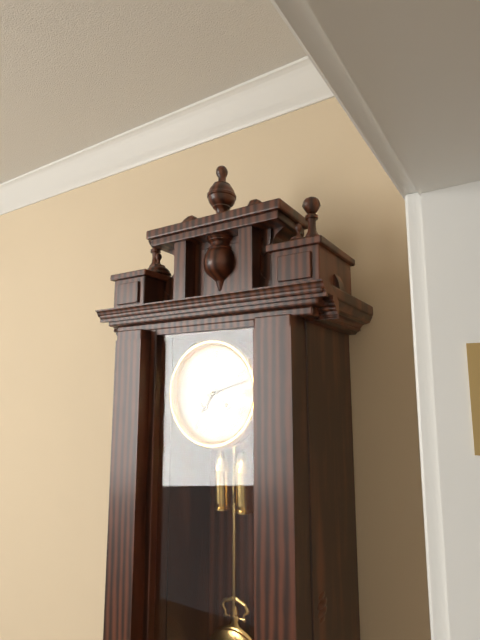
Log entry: **7:12**
